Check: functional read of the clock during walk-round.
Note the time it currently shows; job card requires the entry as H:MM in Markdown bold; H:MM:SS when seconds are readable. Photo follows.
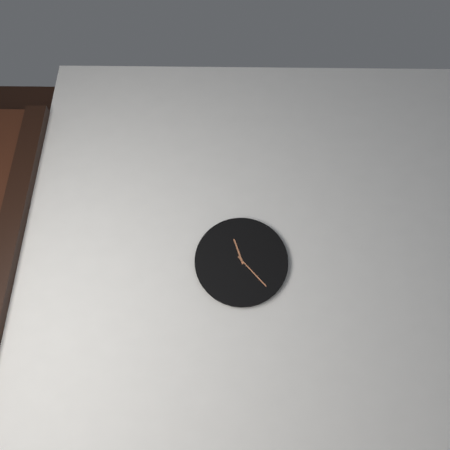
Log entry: **11:23**
